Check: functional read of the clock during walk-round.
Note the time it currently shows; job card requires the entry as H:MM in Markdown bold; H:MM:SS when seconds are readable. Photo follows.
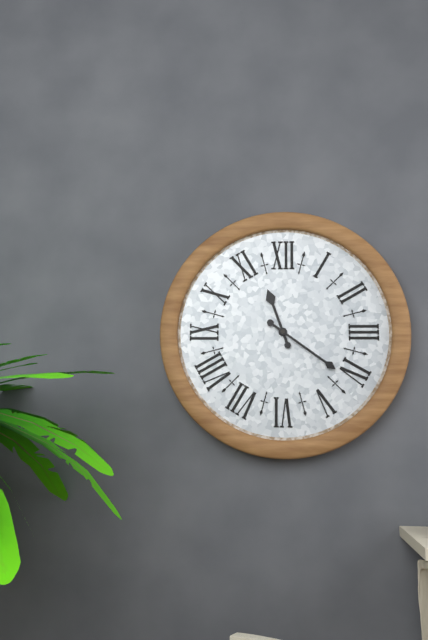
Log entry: **11:21**
